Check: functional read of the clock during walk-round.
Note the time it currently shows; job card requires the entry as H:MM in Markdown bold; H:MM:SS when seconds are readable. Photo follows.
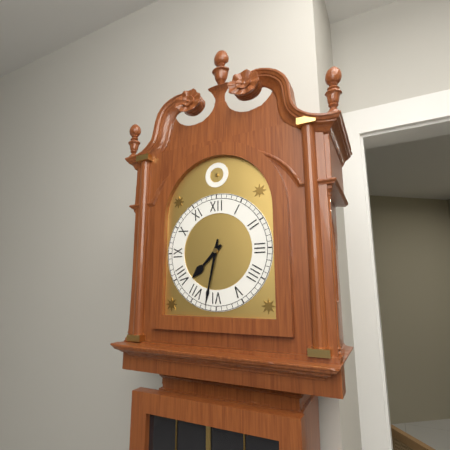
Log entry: **7:32**
